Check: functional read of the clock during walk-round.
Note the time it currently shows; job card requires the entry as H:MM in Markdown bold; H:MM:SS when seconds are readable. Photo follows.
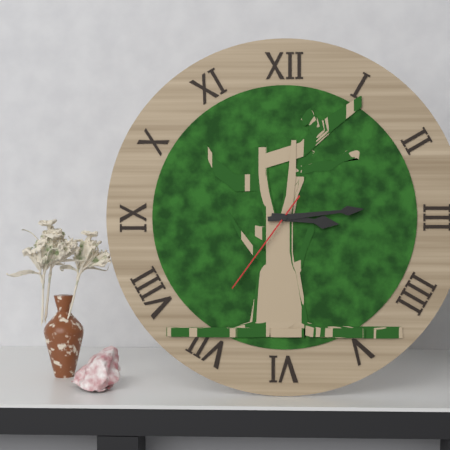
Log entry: **3:14:36**
